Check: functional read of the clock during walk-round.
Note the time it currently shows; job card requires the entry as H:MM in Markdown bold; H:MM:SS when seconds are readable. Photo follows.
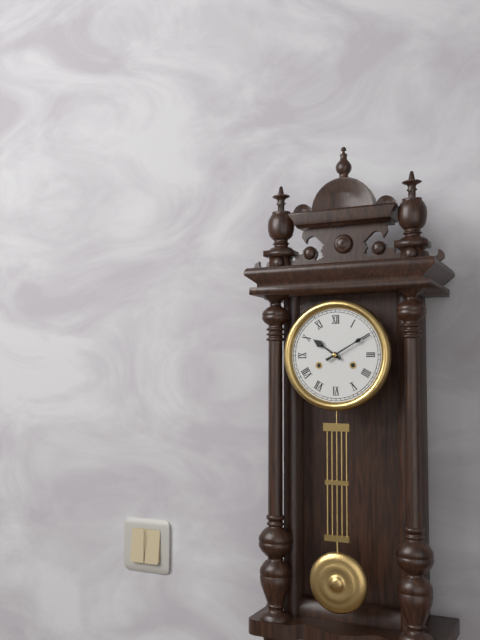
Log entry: **10:10**
